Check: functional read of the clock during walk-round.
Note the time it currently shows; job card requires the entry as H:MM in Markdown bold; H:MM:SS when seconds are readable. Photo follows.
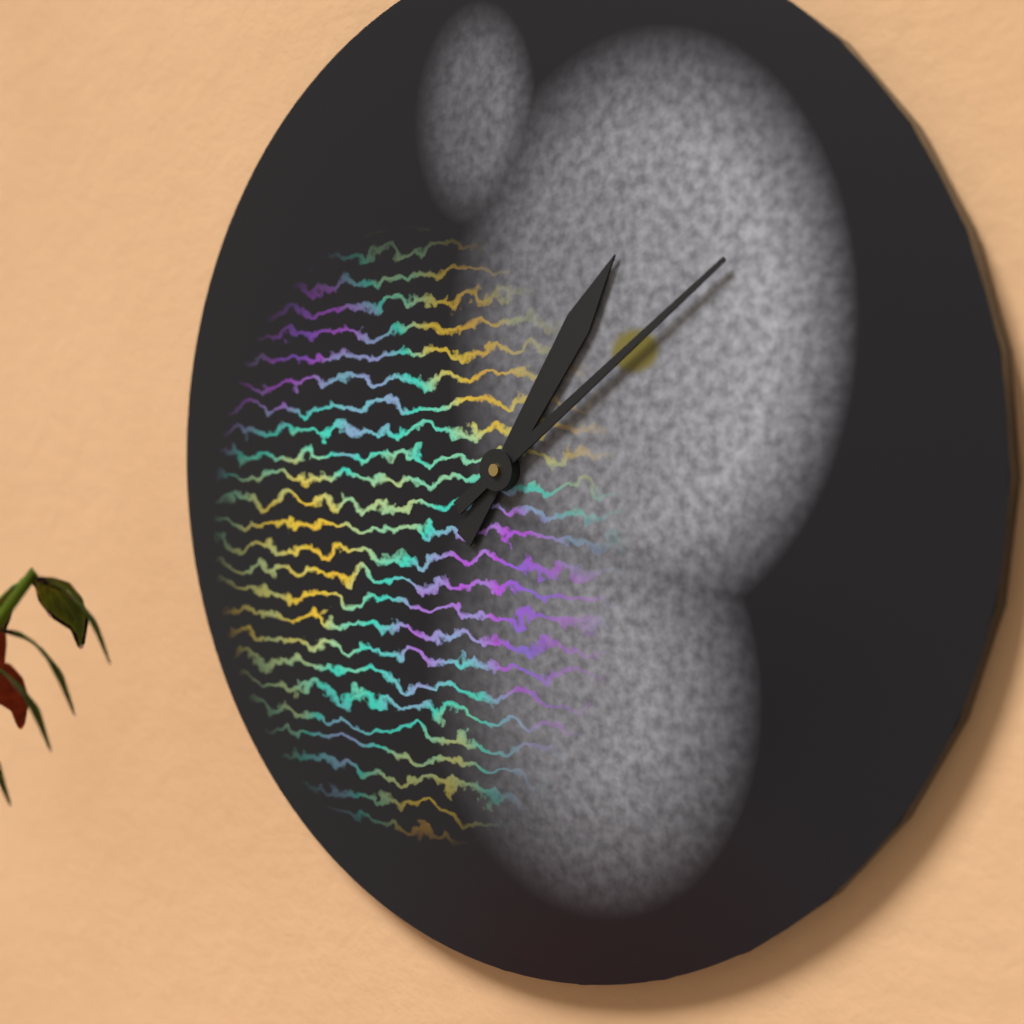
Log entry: **1:09**
